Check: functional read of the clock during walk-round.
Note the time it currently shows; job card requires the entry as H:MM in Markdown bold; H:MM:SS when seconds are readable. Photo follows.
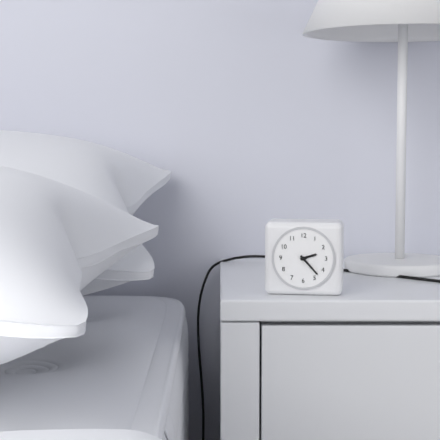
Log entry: **2:23**
